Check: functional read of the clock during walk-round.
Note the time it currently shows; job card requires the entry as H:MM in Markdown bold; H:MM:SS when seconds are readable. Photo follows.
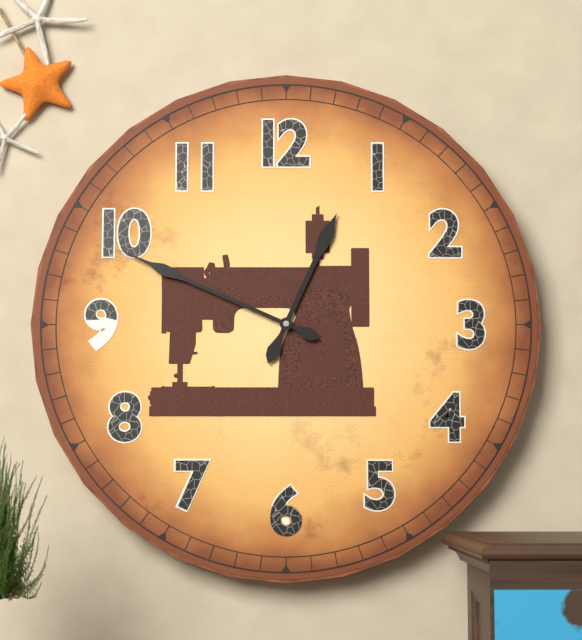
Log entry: **12:49**
